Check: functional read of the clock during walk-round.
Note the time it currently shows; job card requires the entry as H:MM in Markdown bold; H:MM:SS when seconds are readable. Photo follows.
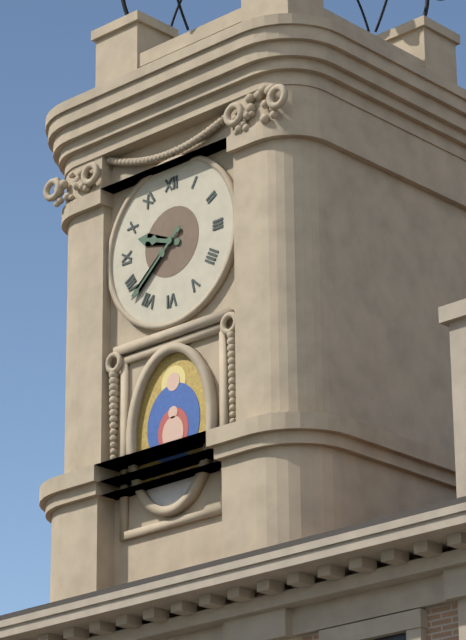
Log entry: **9:38**
